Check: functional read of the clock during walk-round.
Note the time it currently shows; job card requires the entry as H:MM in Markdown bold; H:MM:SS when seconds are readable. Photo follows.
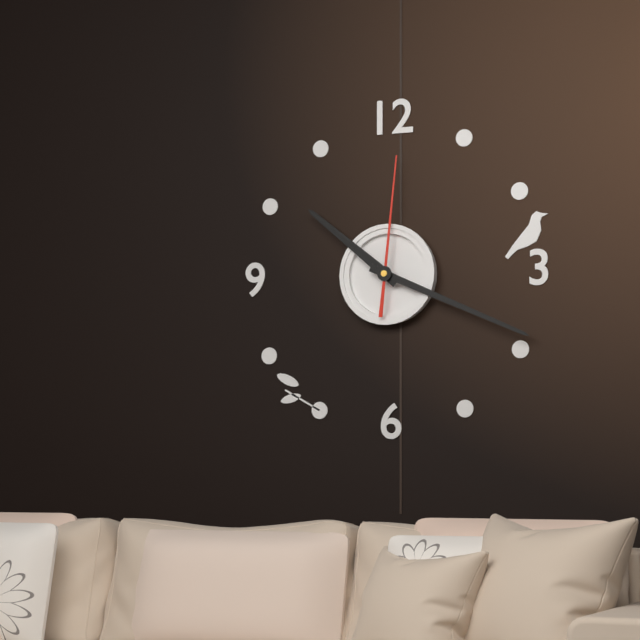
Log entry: **10:19:01**
